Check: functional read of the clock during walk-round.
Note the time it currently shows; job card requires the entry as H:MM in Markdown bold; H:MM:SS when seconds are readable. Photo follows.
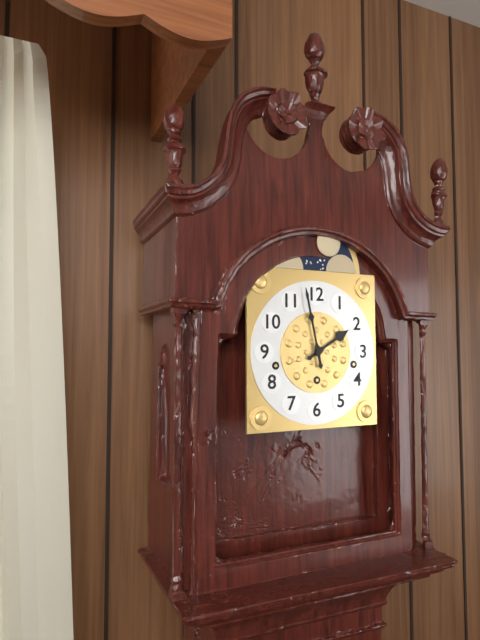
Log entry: **1:58**
